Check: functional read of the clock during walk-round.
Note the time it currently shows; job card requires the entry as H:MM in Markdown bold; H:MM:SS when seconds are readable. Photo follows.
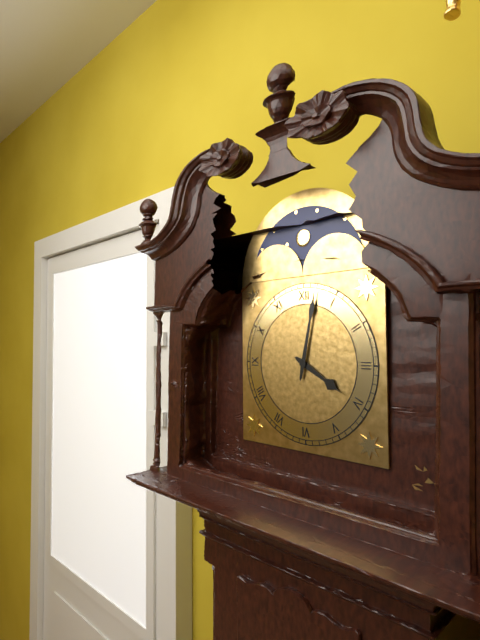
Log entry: **4:02**
